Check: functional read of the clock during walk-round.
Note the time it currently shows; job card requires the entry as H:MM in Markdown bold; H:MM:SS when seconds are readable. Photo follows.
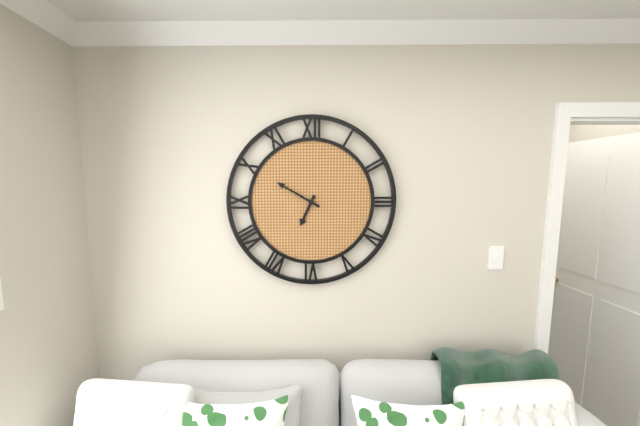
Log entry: **6:50**
